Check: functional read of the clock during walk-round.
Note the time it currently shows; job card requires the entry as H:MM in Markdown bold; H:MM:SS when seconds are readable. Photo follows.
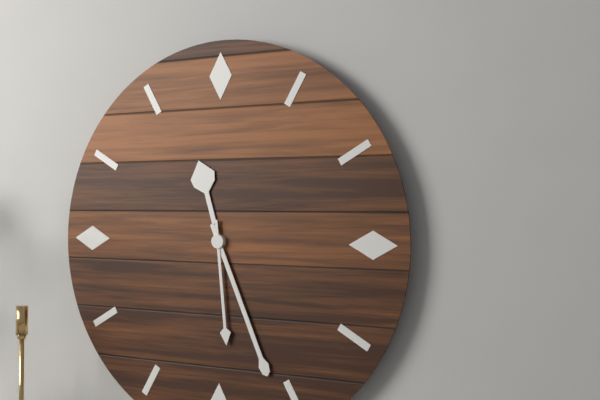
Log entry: **11:26:29**
